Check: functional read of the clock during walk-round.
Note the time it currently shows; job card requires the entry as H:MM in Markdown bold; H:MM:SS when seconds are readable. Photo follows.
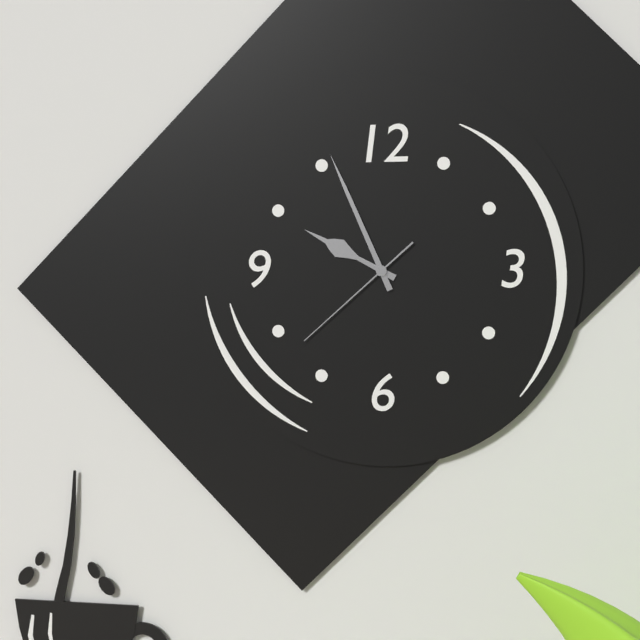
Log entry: **9:56:38**
